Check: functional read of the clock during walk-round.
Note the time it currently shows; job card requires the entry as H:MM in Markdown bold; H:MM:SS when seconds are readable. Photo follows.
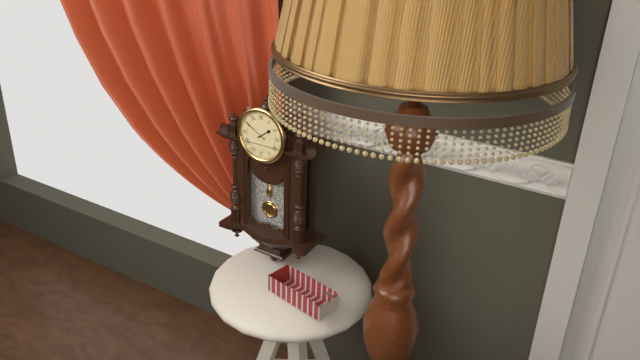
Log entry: **1:50**
